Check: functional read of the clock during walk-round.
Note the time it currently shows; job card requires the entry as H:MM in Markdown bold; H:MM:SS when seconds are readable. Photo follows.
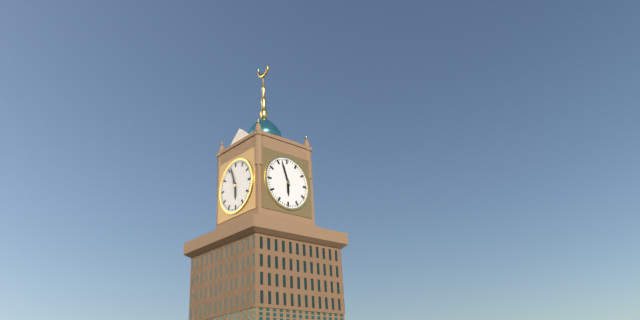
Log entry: **5:57**
